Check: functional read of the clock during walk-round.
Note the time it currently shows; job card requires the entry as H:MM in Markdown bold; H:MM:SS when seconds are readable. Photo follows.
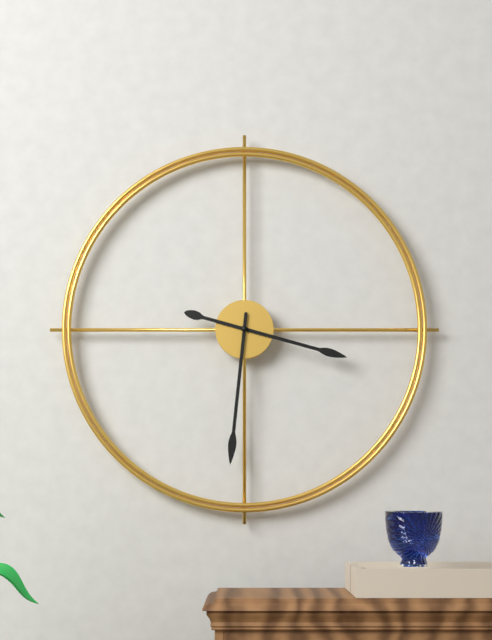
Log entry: **3:31**
